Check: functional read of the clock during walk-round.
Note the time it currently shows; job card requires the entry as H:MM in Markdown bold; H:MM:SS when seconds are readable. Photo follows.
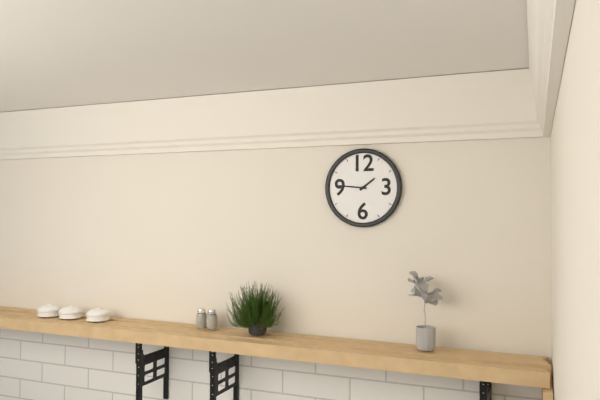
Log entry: **1:46**
